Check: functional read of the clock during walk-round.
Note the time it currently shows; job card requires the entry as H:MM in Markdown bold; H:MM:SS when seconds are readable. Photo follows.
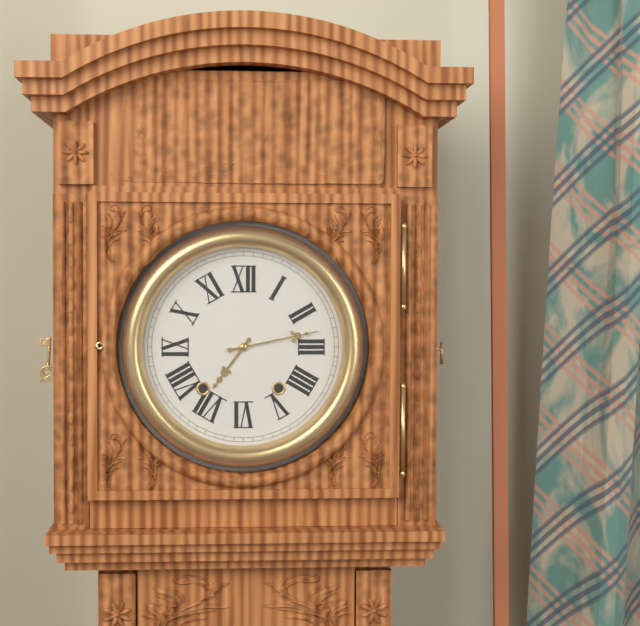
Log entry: **7:13**
